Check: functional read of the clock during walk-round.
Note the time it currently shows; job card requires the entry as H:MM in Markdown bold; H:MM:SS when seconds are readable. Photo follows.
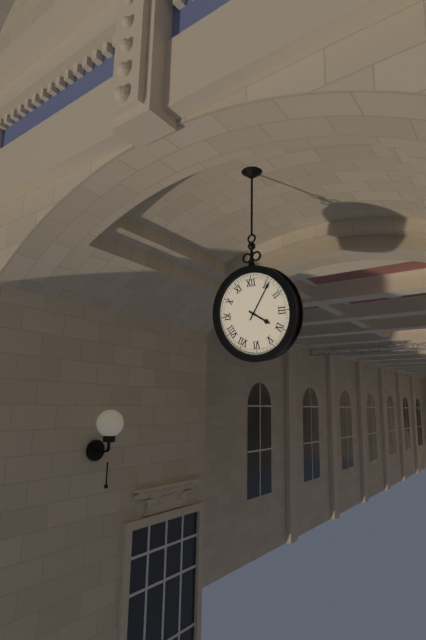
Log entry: **4:06**
